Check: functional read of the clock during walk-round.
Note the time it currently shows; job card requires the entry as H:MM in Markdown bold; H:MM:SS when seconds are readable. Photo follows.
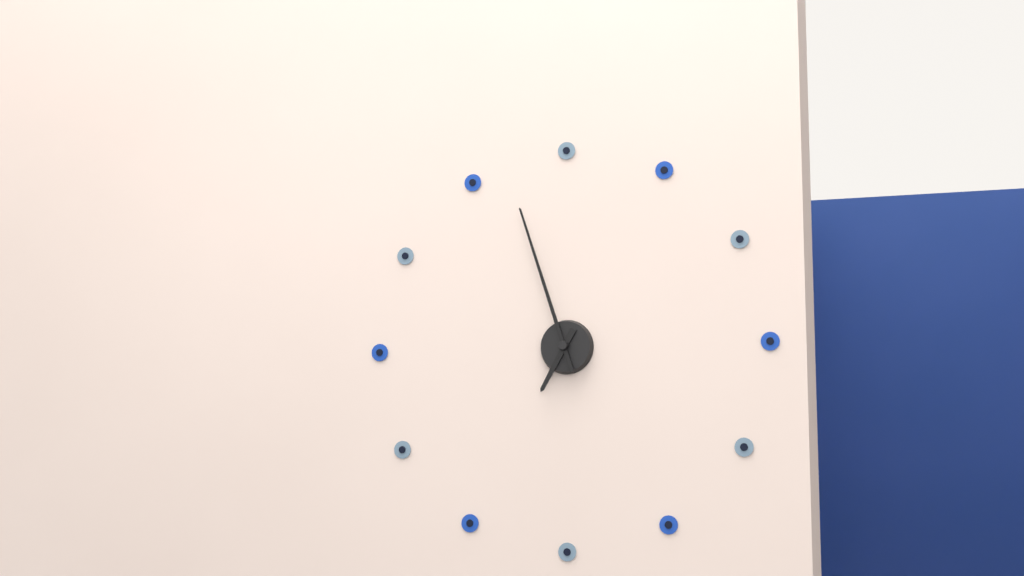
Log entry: **6:57**
